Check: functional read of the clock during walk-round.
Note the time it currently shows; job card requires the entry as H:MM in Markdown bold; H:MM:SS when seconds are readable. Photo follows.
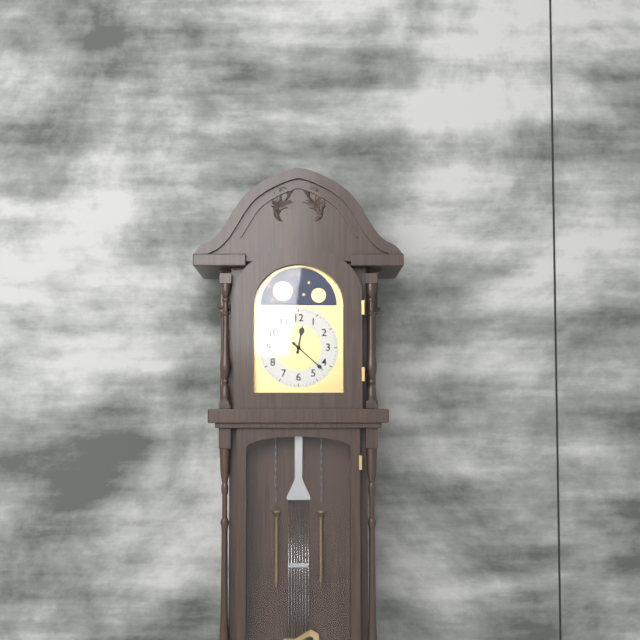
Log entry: **12:22**
